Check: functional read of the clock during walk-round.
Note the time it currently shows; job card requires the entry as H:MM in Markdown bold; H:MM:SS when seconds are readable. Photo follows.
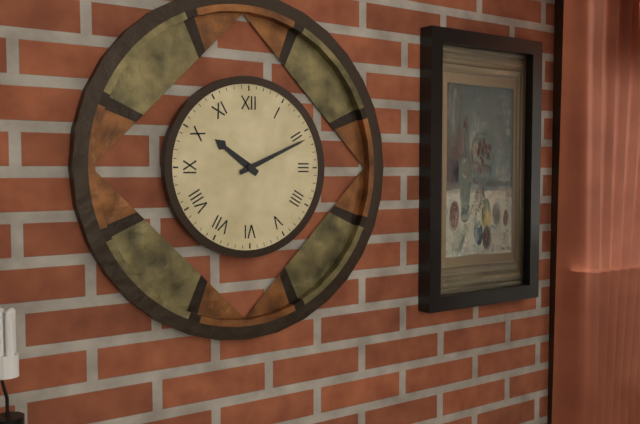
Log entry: **10:11**
